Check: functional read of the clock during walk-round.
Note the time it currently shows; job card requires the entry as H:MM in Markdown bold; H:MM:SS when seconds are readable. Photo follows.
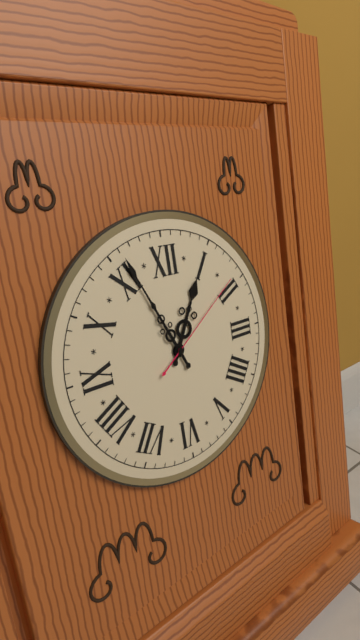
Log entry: **12:56:09**
